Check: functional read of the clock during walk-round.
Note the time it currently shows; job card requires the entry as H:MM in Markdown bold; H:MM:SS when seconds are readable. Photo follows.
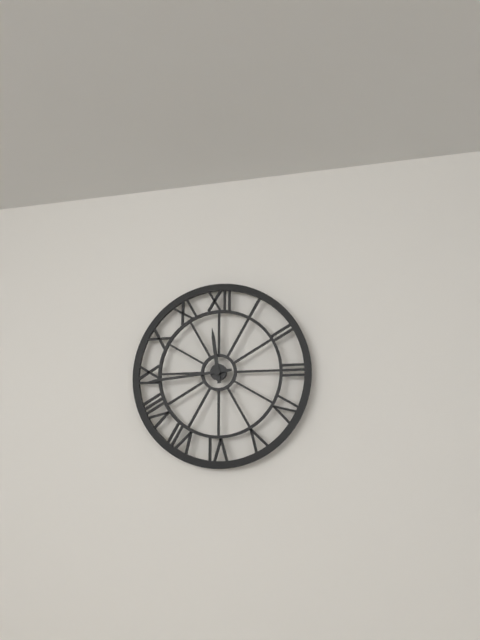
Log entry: **11:44**
